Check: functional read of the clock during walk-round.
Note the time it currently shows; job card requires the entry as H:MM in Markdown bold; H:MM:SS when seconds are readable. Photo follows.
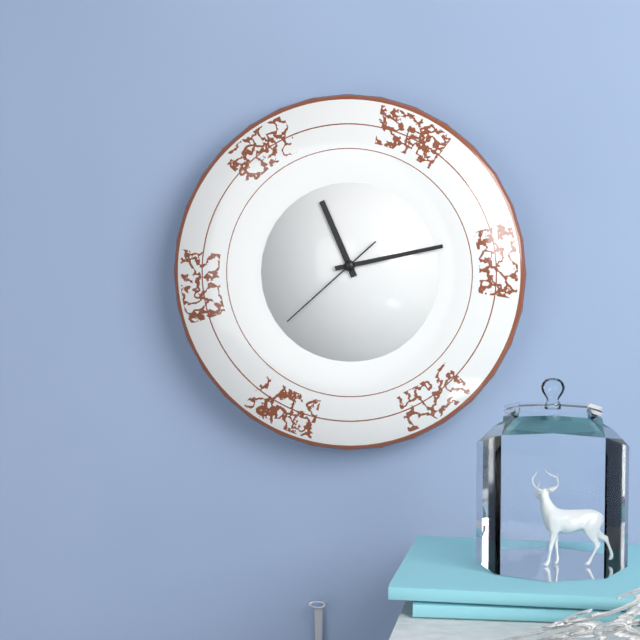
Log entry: **11:13:38**
